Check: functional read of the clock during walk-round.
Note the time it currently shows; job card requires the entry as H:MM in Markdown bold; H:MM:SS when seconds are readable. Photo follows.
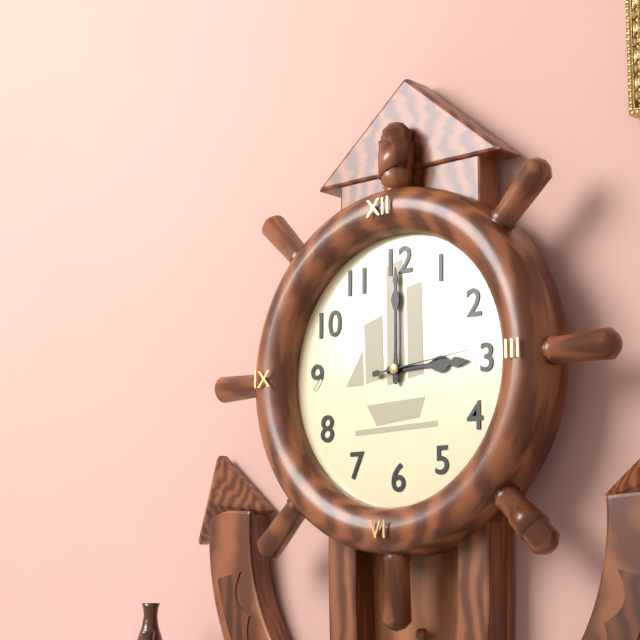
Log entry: **3:00:14**
